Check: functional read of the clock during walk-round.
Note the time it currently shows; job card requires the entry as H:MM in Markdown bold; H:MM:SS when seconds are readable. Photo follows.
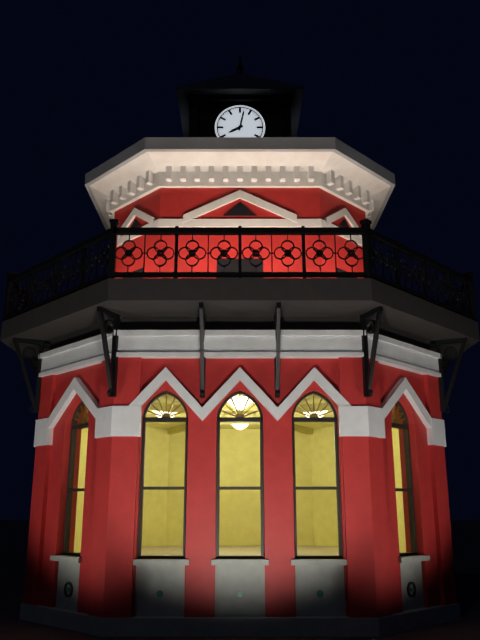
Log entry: **8:02**
